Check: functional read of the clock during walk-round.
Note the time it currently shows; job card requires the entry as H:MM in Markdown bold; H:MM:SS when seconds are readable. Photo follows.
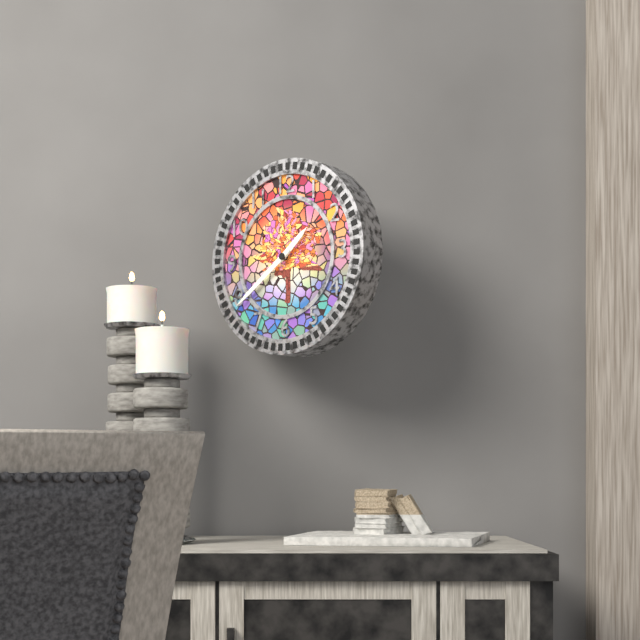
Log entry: **1:39**
